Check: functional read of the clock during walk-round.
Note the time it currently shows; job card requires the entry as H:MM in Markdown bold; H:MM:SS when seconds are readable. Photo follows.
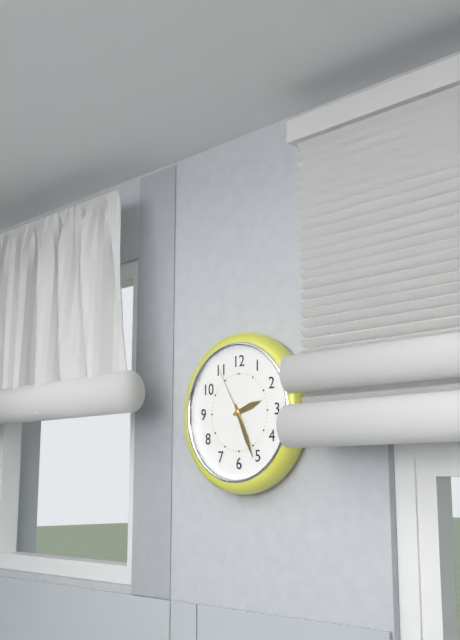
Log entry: **2:26:55**
